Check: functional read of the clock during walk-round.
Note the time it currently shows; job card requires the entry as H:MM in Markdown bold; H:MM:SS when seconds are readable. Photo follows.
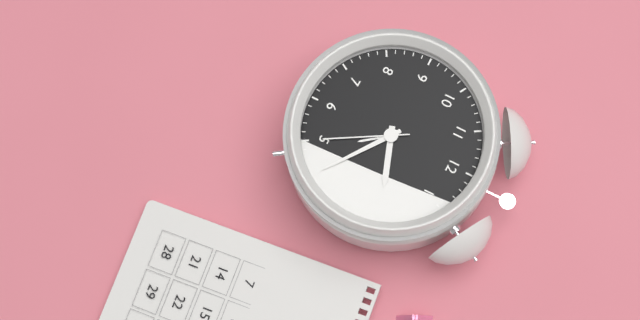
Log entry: **2:21:25**
